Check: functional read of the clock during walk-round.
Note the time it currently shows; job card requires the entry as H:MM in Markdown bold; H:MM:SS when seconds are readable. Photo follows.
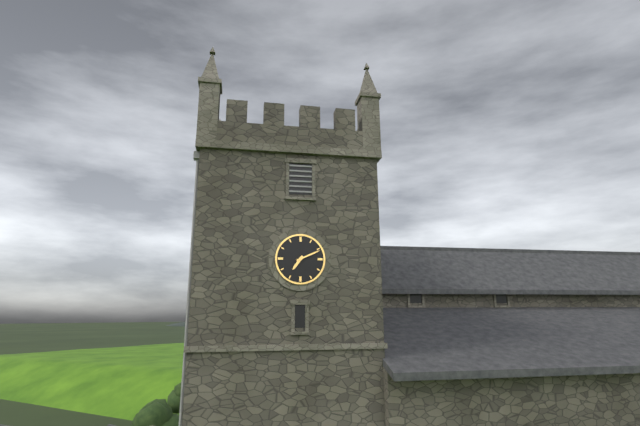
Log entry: **7:11**
